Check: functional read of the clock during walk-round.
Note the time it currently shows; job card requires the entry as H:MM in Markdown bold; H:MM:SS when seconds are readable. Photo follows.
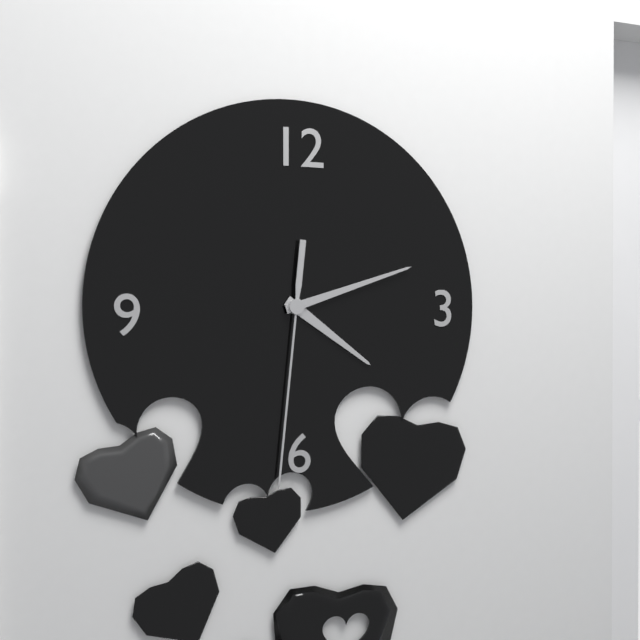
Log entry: **4:12:31**
